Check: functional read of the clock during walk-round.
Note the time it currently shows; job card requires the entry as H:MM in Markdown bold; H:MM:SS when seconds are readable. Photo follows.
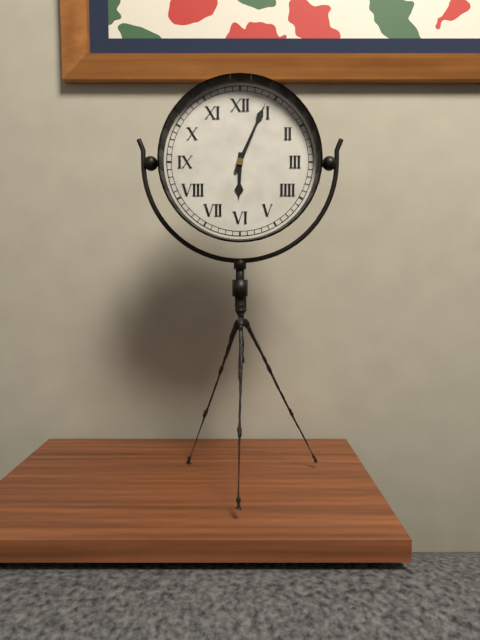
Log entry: **6:04**
